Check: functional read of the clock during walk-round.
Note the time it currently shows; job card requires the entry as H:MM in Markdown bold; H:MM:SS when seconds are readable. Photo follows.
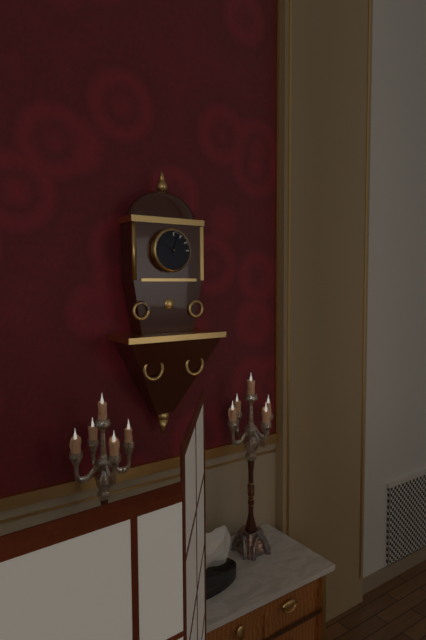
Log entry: **10:03**
